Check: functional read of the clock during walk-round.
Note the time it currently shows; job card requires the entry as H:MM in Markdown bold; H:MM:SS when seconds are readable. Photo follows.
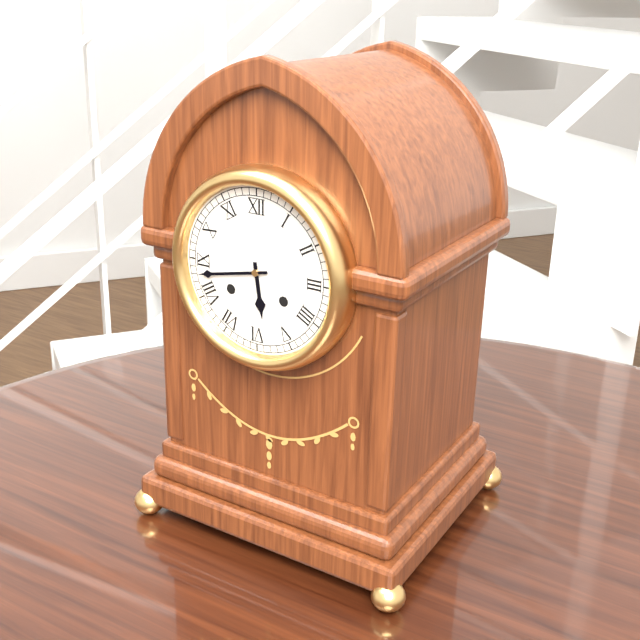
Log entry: **5:43**
